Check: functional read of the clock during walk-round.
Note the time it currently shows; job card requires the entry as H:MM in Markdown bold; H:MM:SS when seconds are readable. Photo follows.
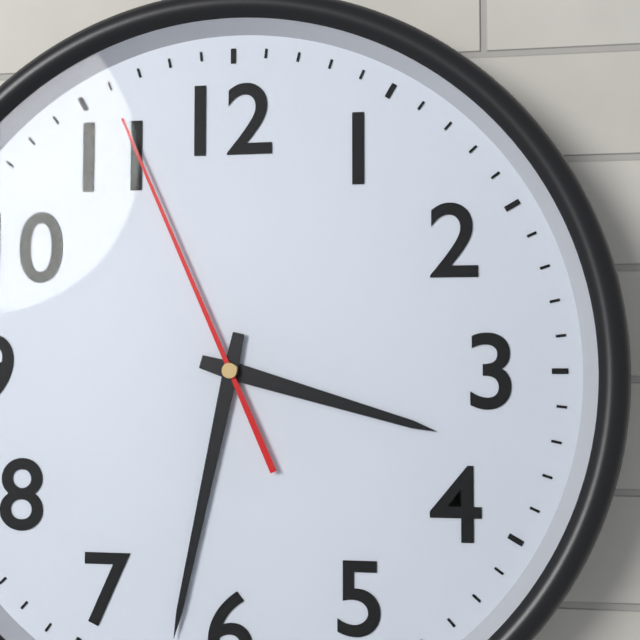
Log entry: **3:32:56**
